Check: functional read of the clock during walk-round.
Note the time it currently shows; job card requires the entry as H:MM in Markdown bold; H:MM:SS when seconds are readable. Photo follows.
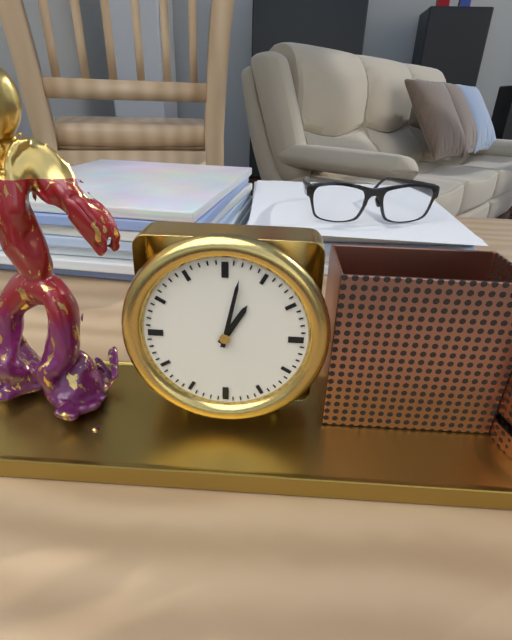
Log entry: **1:02**
